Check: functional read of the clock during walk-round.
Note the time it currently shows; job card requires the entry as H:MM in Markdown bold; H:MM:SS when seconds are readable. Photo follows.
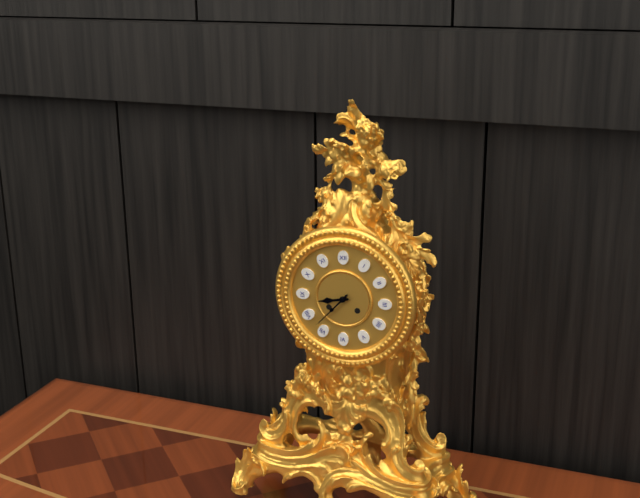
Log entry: **8:37**
